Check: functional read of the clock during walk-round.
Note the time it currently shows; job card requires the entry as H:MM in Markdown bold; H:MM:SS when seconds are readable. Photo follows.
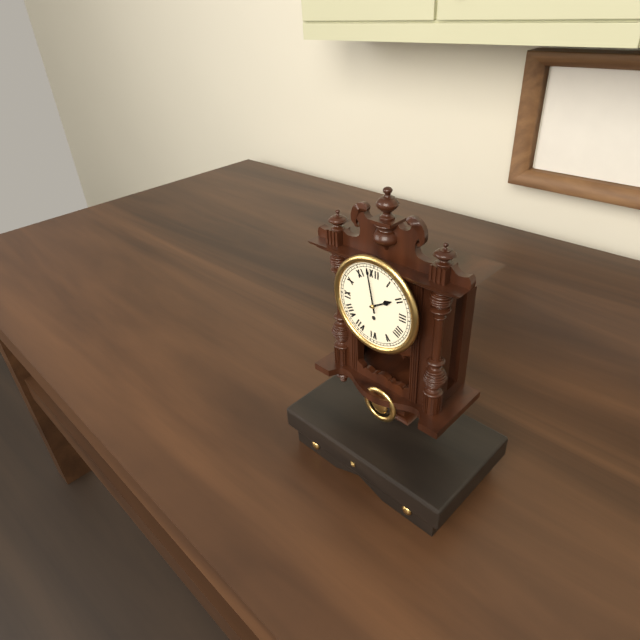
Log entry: **1:58**
